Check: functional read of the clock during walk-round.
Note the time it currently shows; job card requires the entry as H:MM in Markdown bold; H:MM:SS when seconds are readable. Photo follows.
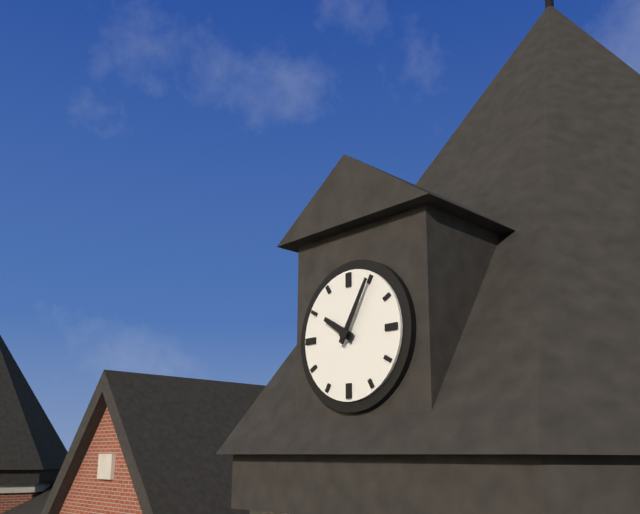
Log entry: **10:05**
